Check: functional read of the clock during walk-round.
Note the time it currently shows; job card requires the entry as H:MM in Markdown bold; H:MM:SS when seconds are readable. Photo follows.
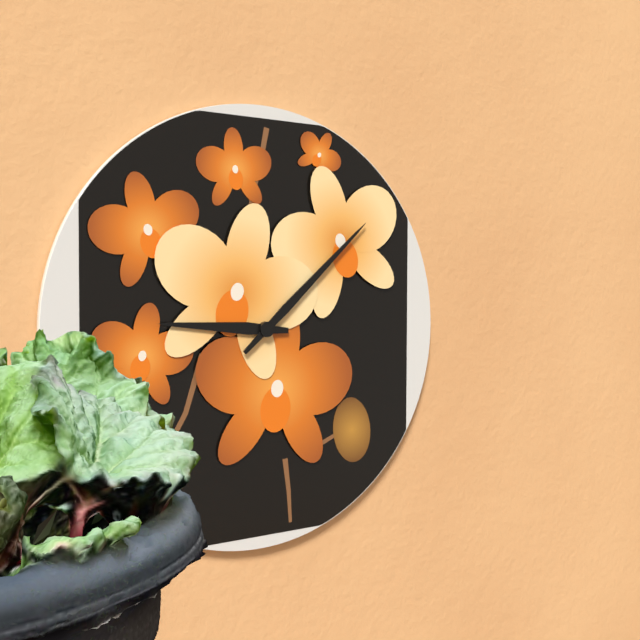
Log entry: **9:08**
